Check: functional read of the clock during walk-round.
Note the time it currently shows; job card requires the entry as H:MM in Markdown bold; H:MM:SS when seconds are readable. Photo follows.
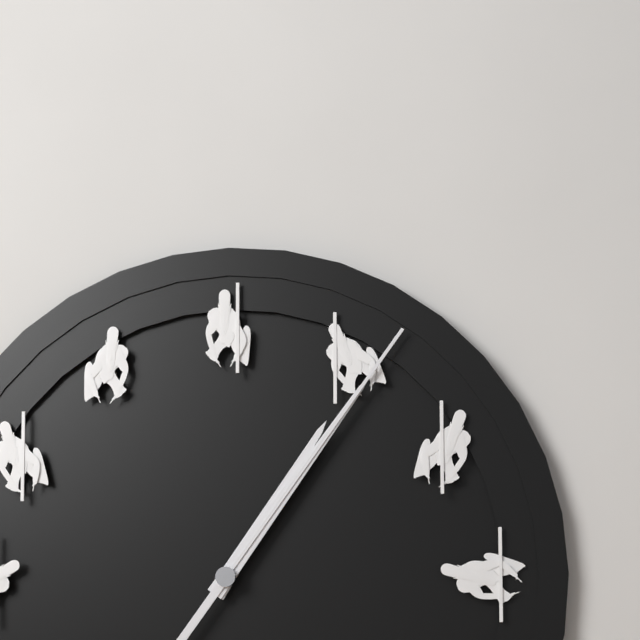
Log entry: **1:06:06**
